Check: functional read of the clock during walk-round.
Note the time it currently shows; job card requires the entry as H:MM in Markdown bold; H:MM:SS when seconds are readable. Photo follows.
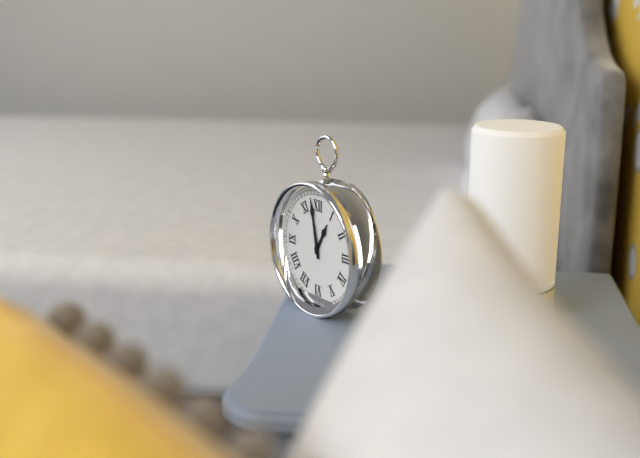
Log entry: **12:58**
